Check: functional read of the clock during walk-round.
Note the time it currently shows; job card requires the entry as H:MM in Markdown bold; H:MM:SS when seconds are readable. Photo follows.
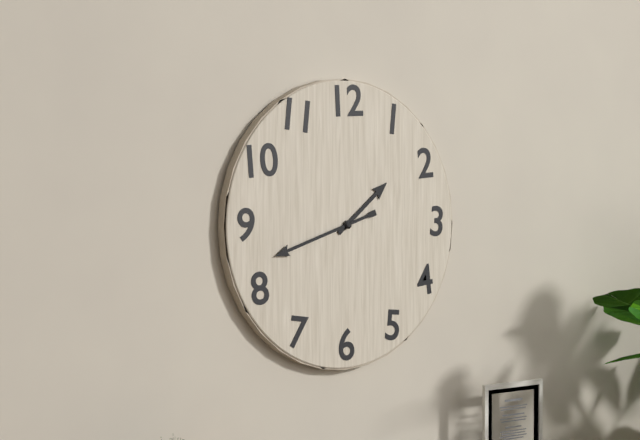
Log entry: **1:42**
